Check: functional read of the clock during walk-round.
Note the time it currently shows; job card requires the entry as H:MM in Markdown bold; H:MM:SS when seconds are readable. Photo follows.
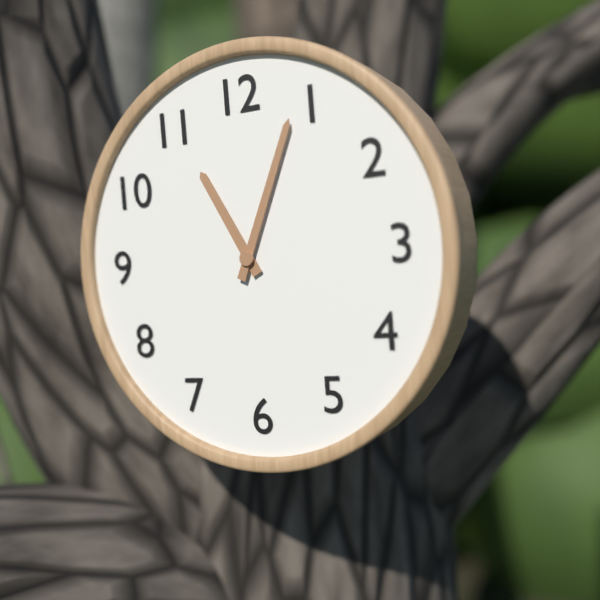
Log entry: **11:04**
